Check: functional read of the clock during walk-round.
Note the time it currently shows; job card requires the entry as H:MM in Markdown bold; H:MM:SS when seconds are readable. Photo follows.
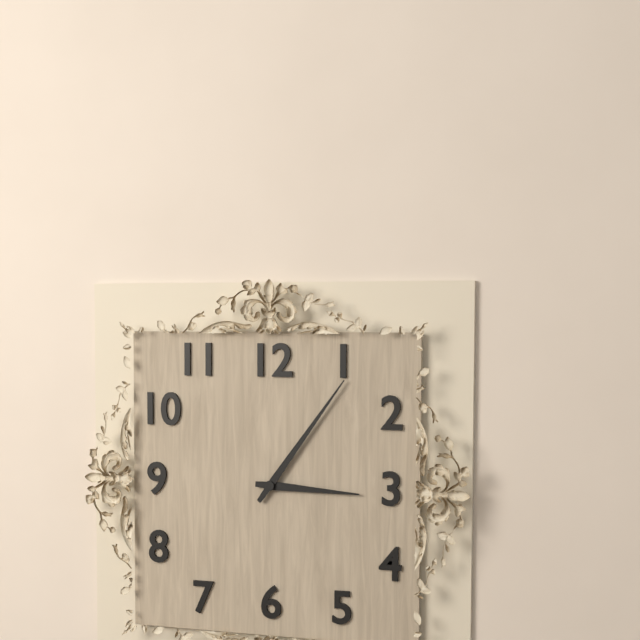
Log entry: **3:06**
